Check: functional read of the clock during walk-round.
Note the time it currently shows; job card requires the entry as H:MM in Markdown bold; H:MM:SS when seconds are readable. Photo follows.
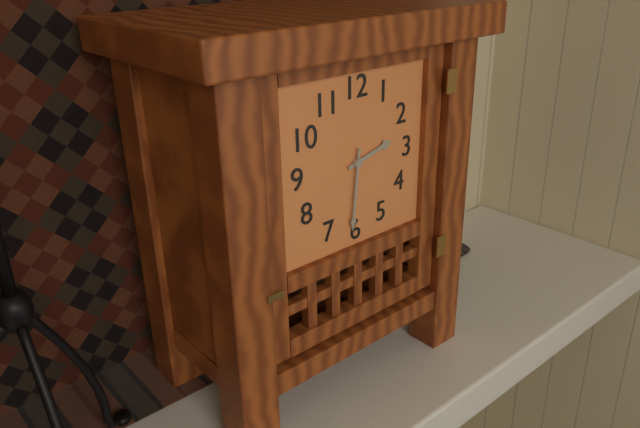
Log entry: **2:31**
